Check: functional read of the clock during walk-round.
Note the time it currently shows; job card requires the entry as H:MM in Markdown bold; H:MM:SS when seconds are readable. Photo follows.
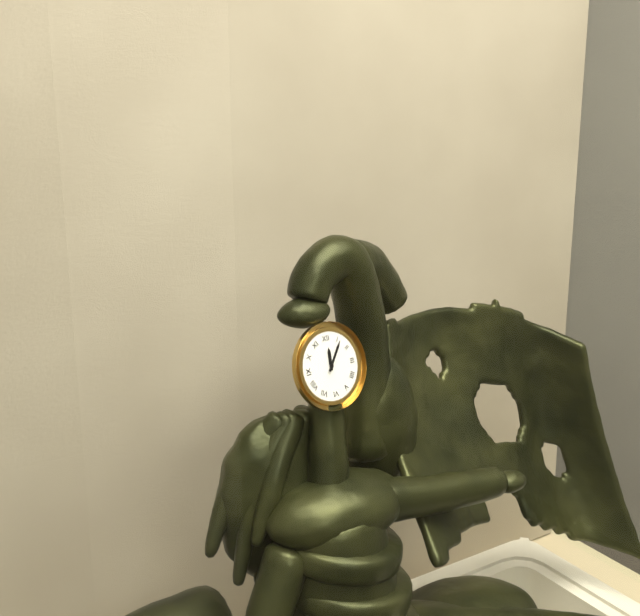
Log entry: **12:06**
